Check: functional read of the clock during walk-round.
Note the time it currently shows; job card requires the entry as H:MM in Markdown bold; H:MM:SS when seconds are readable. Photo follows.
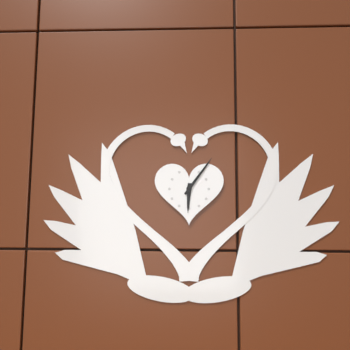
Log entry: **6:06**
